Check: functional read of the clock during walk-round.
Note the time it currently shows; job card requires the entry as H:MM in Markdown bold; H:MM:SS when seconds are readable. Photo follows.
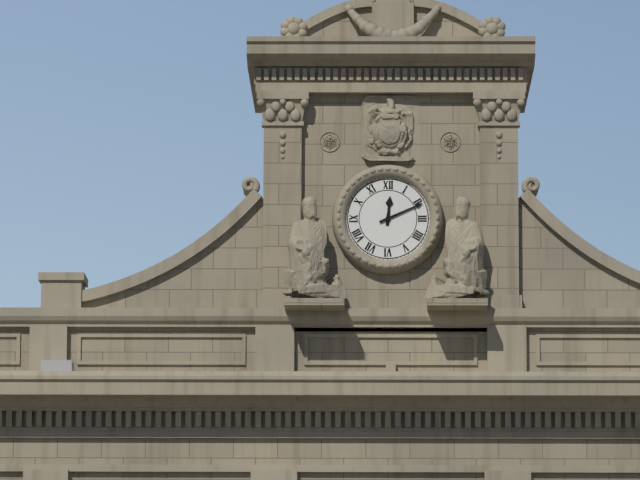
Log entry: **12:11**
